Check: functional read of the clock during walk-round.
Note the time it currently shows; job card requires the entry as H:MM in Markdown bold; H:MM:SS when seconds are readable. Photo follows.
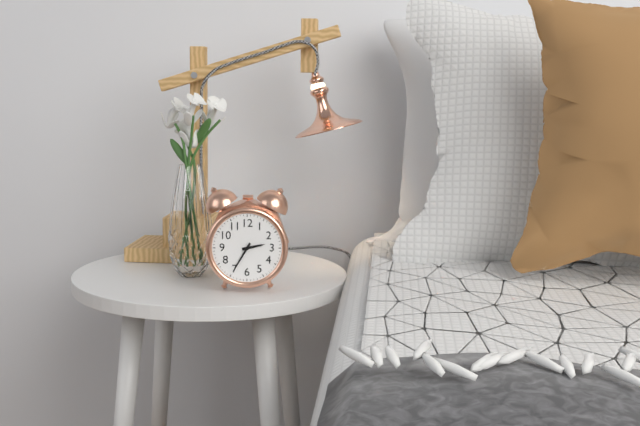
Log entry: **2:35**
